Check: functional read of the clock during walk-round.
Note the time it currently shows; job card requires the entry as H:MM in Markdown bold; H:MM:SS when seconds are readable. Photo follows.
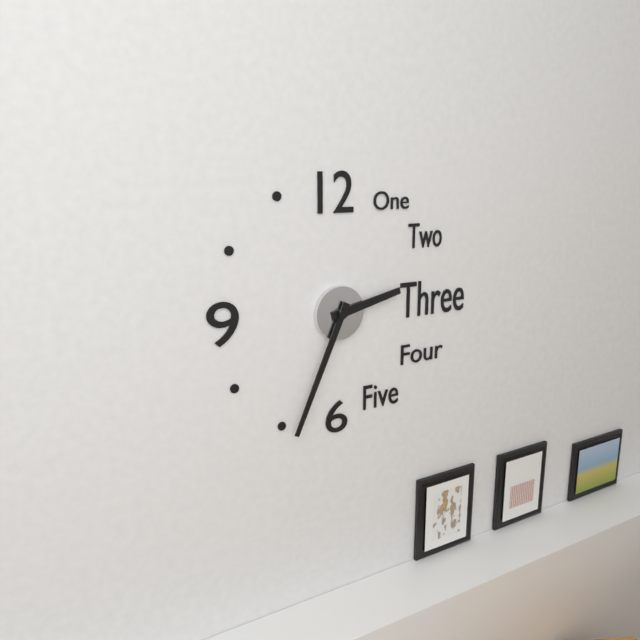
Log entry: **2:34**
